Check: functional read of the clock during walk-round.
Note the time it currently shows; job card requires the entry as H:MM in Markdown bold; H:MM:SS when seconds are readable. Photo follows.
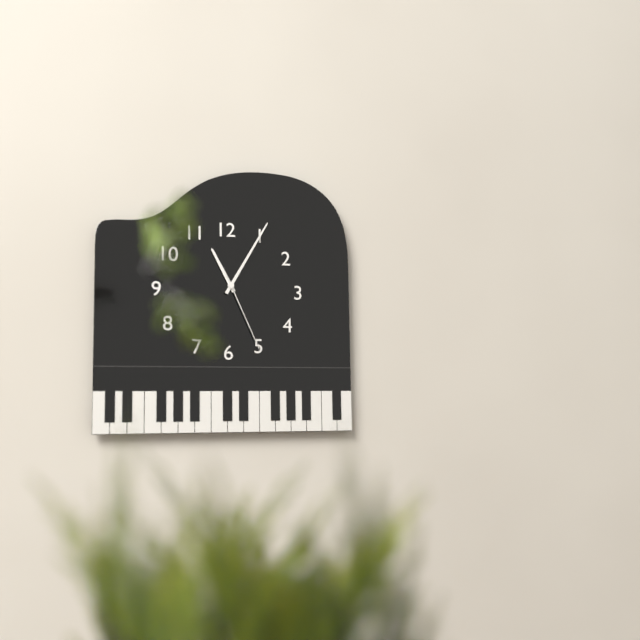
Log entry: **11:05:26**
